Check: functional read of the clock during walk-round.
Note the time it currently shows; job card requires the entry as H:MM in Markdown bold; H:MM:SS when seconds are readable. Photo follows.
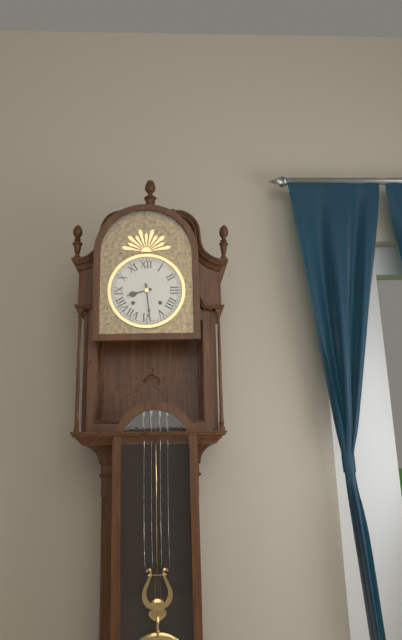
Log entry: **8:29**
